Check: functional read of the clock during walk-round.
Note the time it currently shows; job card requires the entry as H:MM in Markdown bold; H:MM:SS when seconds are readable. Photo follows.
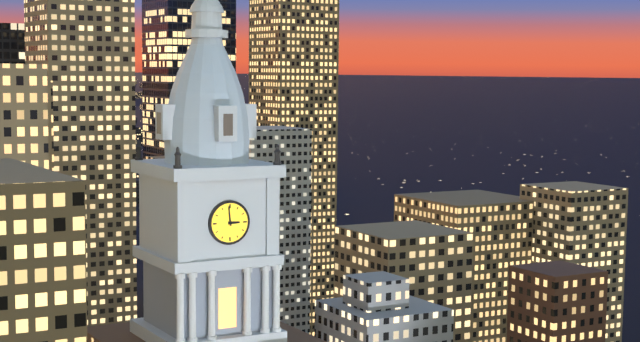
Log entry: **2:59**
